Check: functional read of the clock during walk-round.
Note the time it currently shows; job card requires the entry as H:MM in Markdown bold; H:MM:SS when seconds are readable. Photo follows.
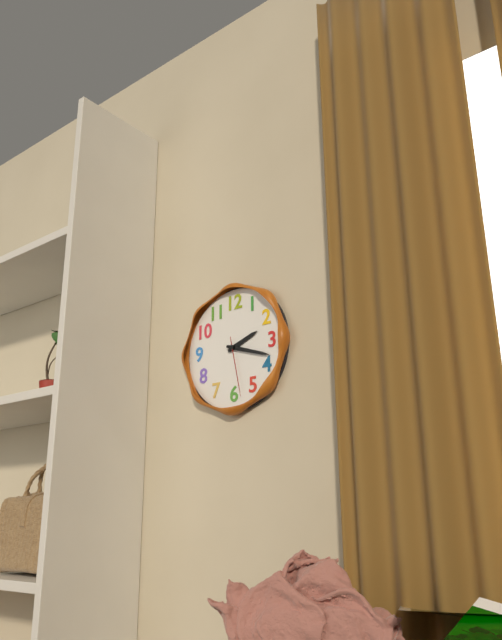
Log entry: **2:18:28**
